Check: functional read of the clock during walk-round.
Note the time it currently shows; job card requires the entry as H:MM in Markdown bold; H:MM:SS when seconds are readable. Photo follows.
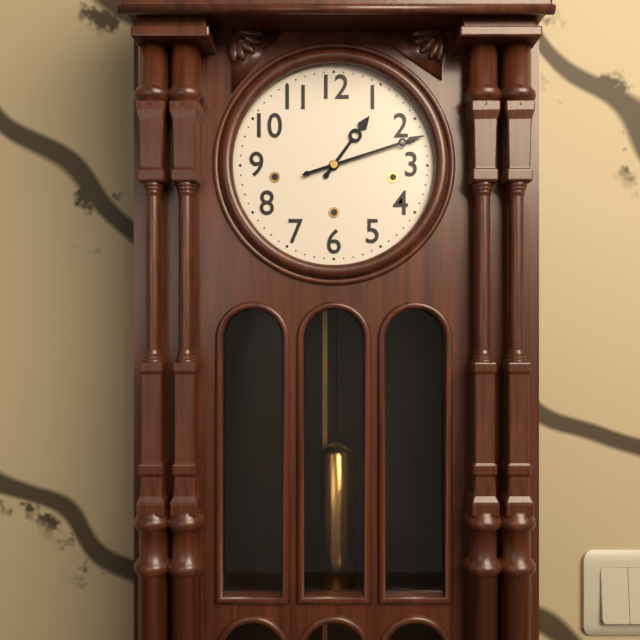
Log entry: **1:12**
